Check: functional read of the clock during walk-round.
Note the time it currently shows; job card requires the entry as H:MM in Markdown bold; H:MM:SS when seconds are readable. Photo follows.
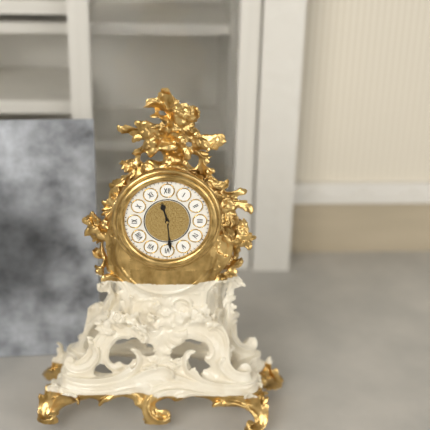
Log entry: **11:29**
